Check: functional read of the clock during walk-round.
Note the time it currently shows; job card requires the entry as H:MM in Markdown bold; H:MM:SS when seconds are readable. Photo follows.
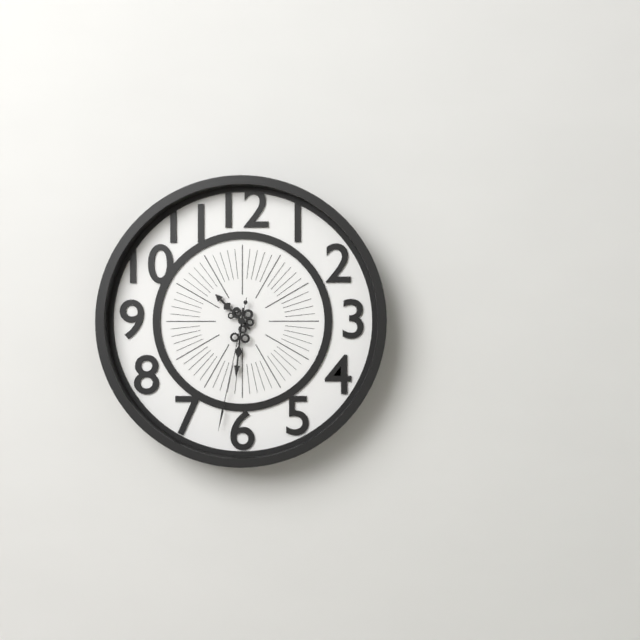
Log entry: **10:31:32**
